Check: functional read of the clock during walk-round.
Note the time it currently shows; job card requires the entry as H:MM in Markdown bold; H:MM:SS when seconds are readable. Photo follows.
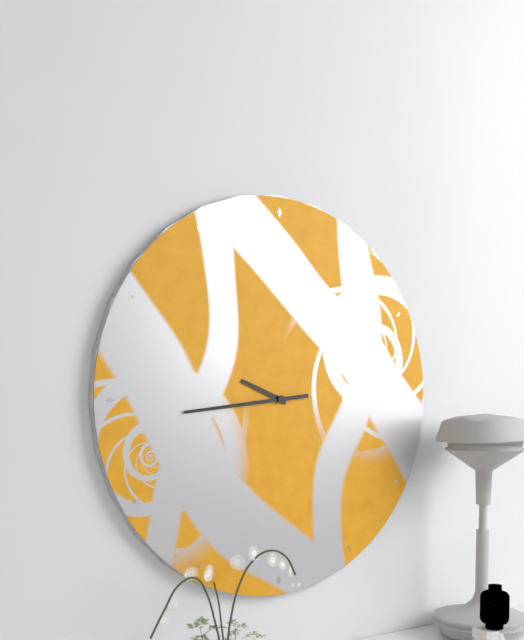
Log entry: **9:44**
